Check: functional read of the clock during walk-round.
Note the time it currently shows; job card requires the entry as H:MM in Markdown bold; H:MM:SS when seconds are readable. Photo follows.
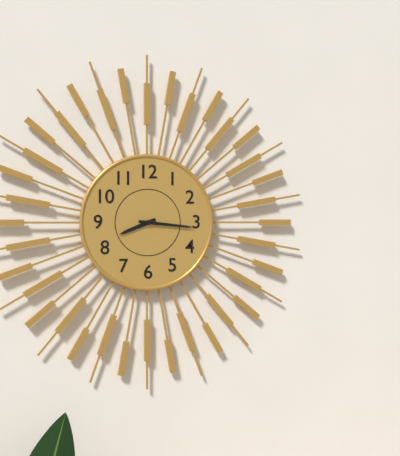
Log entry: **8:16**
